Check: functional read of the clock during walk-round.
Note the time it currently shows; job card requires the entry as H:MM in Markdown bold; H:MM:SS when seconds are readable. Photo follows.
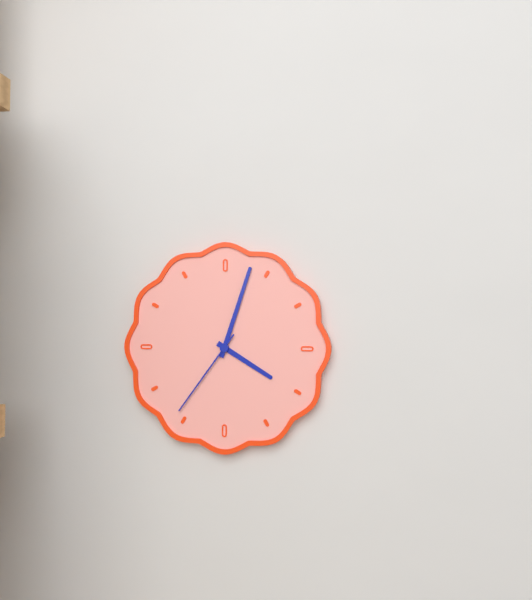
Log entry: **4:03:36**
